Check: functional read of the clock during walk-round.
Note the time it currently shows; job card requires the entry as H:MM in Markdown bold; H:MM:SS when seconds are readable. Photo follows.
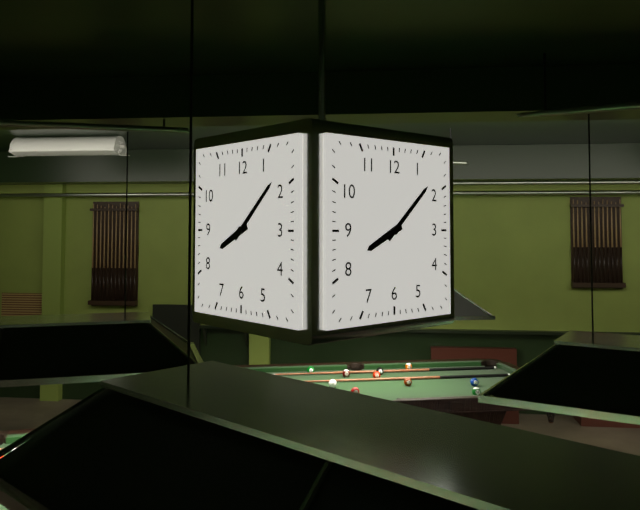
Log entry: **8:08**
